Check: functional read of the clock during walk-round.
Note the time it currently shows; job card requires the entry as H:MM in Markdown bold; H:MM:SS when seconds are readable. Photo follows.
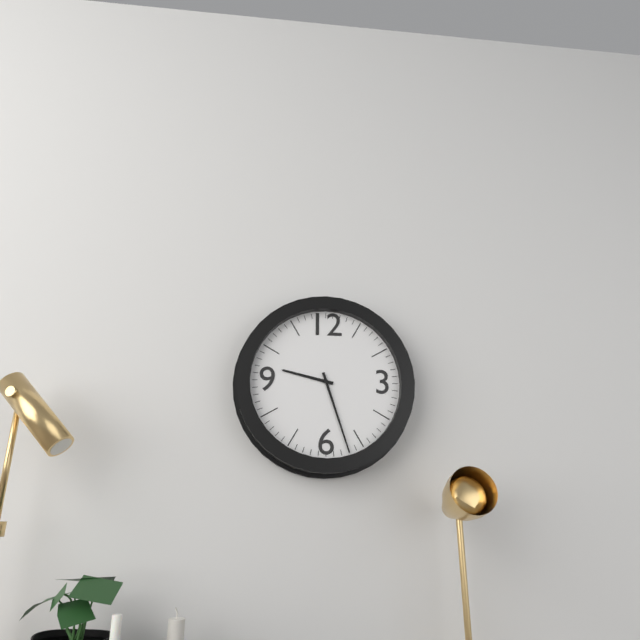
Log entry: **9:27**
